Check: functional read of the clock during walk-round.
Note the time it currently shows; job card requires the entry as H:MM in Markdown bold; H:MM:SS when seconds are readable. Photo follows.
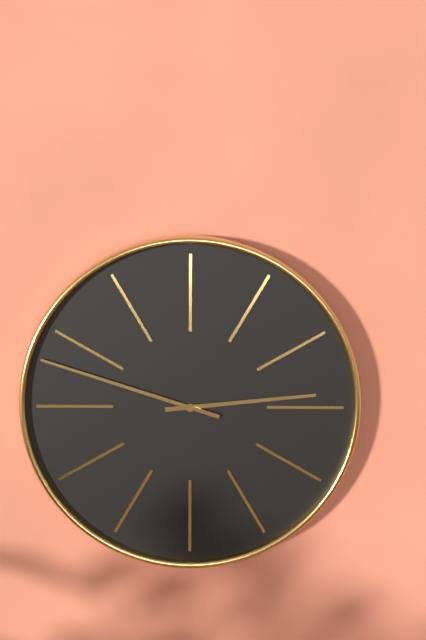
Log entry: **2:48**
